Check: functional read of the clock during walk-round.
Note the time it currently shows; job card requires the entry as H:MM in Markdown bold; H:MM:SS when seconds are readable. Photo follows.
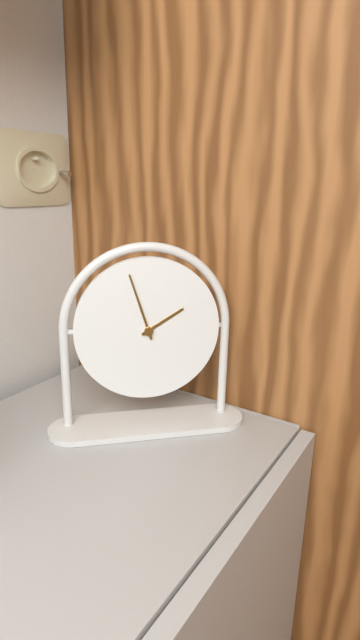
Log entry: **1:57**
